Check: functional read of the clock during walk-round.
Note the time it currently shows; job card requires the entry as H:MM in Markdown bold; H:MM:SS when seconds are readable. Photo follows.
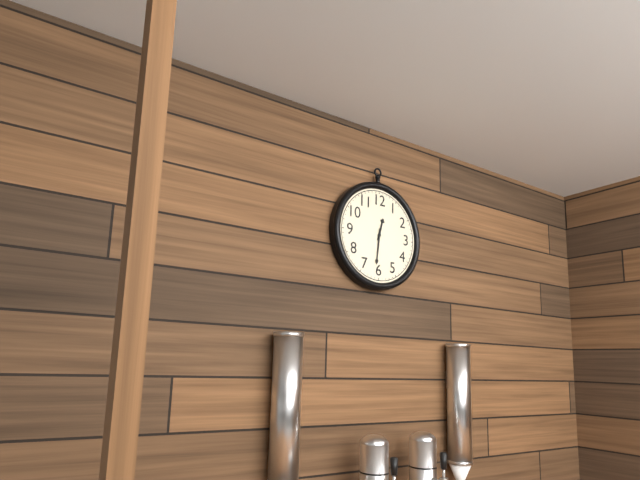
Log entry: **12:31**
